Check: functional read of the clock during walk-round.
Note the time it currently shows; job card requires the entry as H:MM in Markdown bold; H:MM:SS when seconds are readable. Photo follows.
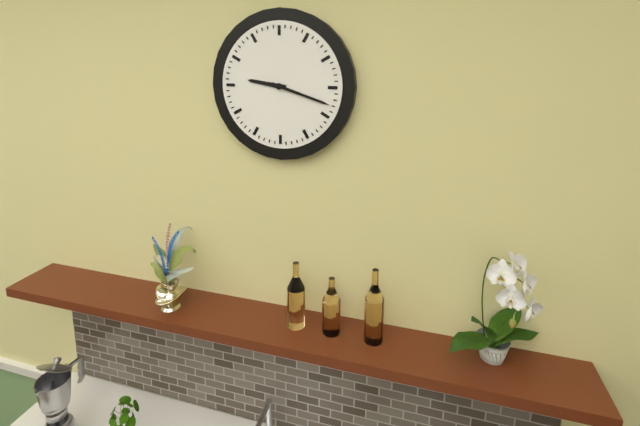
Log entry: **9:18**
